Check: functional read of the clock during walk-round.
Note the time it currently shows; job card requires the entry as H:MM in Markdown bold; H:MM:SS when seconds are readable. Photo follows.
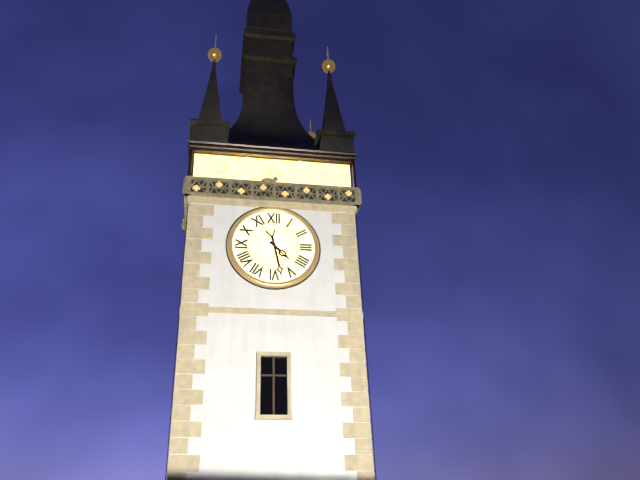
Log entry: **4:28**
